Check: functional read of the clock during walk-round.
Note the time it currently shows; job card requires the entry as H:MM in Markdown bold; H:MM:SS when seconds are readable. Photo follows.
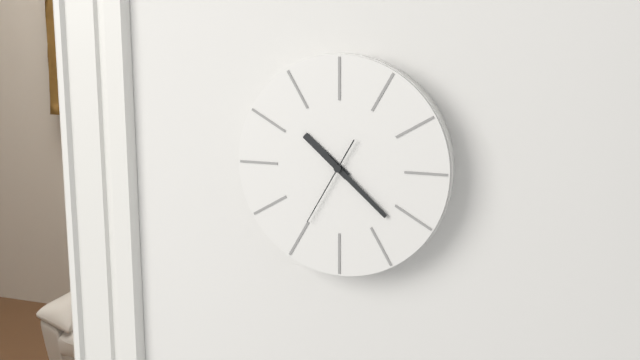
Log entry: **10:22:35**
